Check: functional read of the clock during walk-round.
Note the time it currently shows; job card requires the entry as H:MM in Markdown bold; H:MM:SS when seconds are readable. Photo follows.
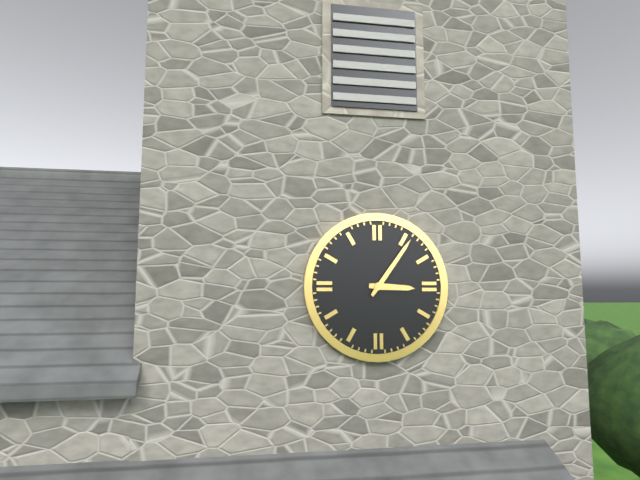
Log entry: **3:06**
